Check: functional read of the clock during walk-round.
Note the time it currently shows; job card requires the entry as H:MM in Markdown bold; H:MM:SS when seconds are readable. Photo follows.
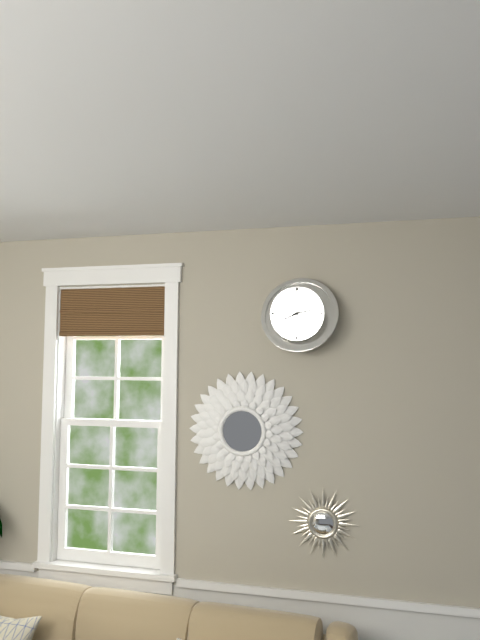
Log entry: **8:13**
